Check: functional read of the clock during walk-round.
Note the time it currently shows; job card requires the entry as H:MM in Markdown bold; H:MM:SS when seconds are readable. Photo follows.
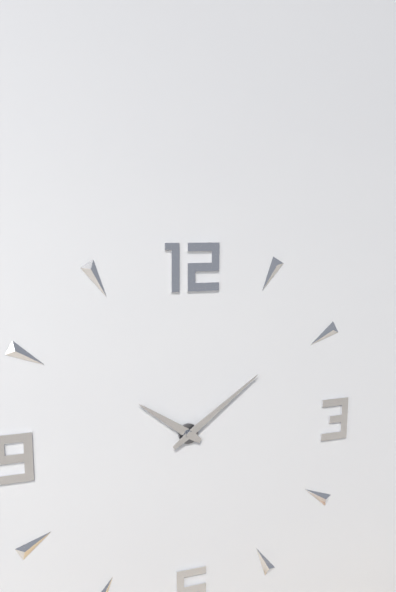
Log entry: **10:09**
